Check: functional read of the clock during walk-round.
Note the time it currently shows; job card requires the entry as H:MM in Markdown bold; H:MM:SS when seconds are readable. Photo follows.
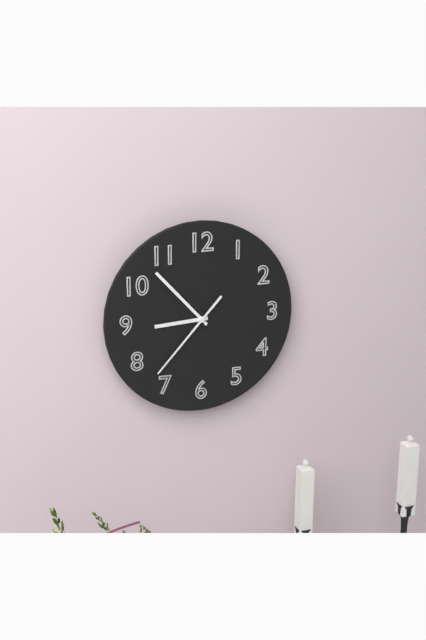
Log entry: **8:53:37**
